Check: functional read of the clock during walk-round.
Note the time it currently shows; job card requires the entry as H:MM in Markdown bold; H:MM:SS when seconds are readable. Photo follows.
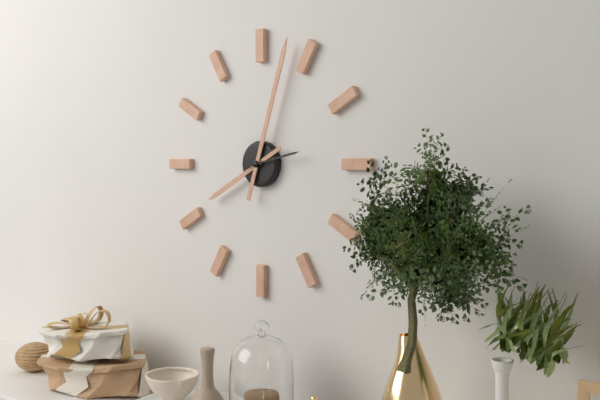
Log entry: **8:03:13**
